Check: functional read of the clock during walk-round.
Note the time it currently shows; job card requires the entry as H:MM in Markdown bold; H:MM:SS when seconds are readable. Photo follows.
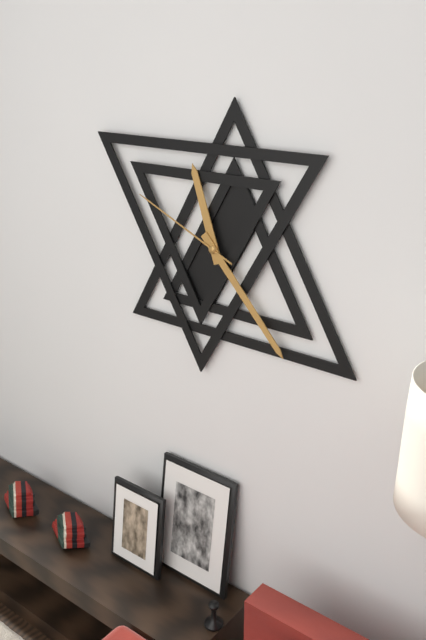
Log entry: **11:23:49**
